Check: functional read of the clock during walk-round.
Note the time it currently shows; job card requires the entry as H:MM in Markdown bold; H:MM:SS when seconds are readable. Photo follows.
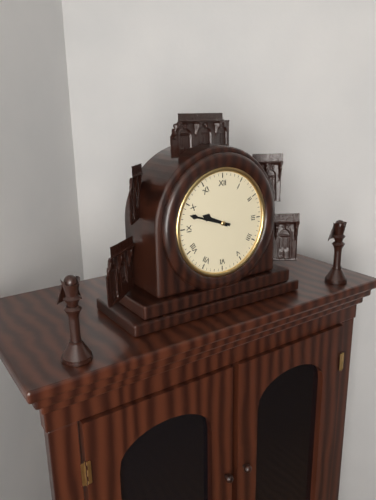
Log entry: **9:48**
